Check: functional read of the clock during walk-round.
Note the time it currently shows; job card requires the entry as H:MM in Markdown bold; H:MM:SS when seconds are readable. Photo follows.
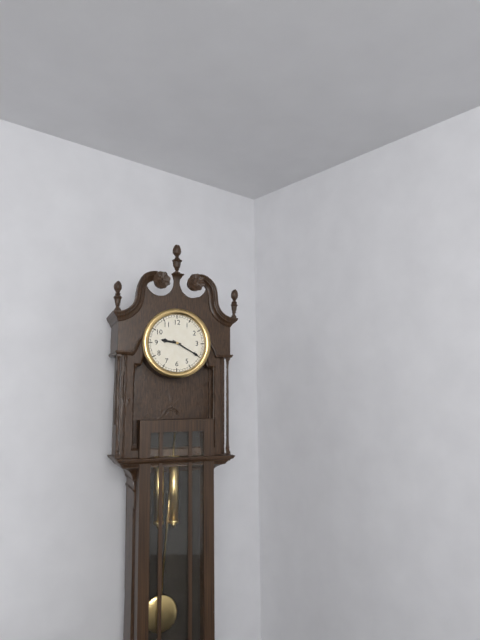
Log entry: **9:20**
